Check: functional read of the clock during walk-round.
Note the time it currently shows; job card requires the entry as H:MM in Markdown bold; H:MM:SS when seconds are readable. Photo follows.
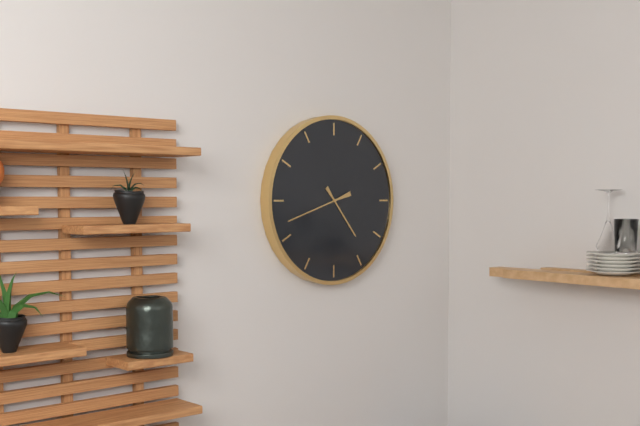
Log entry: **4:42**
